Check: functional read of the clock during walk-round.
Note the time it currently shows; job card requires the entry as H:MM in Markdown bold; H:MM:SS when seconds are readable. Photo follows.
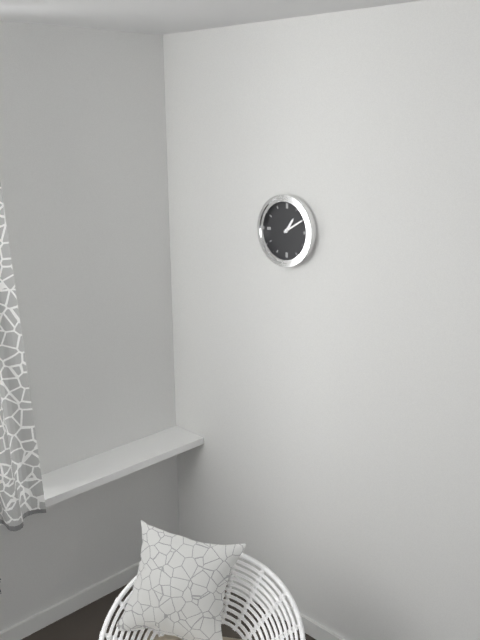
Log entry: **1:10**
